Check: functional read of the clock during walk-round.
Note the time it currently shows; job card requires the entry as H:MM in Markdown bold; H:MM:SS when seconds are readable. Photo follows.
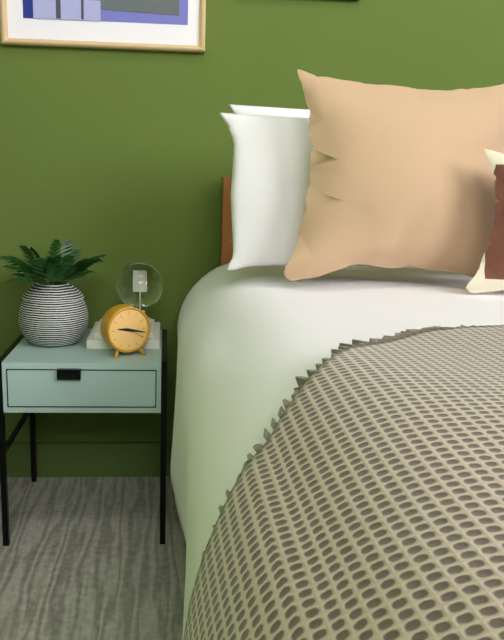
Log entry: **9:17**
